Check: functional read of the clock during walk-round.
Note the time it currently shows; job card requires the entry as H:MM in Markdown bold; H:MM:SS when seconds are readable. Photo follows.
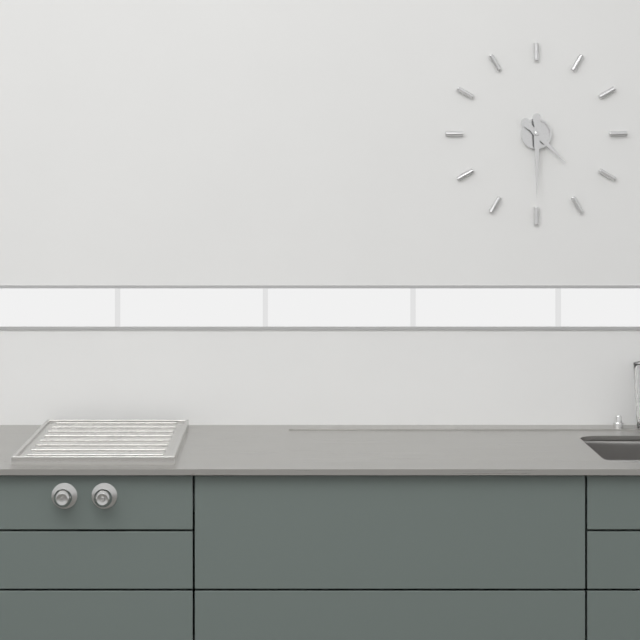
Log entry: **4:30**
